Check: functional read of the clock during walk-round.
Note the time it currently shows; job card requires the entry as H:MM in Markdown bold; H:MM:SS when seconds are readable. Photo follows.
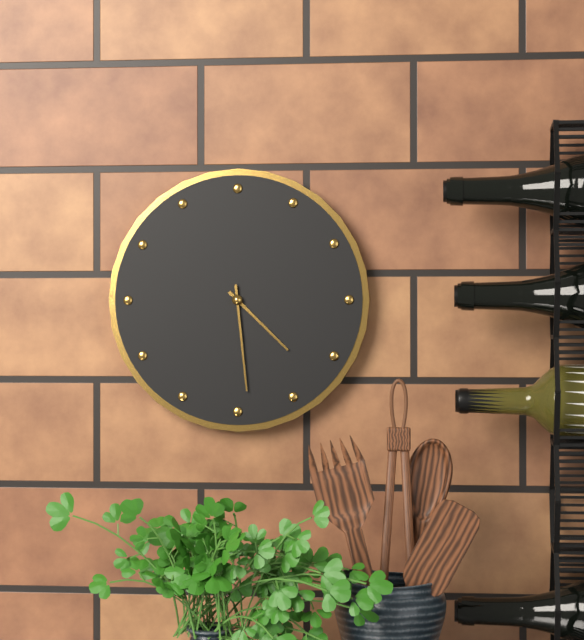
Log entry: **4:29**
